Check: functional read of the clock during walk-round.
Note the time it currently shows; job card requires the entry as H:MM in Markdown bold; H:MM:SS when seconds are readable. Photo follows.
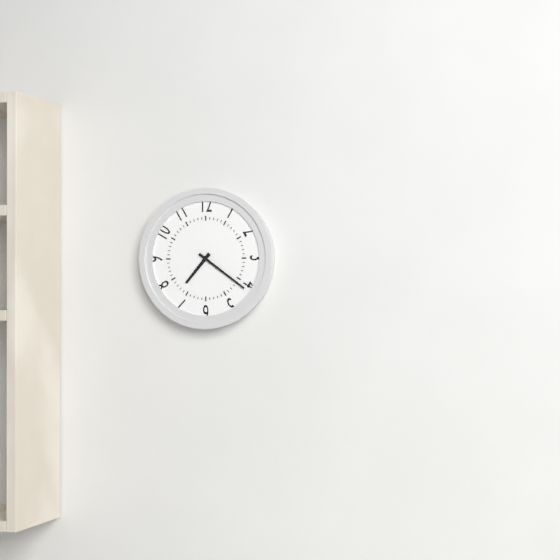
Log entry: **7:21**
